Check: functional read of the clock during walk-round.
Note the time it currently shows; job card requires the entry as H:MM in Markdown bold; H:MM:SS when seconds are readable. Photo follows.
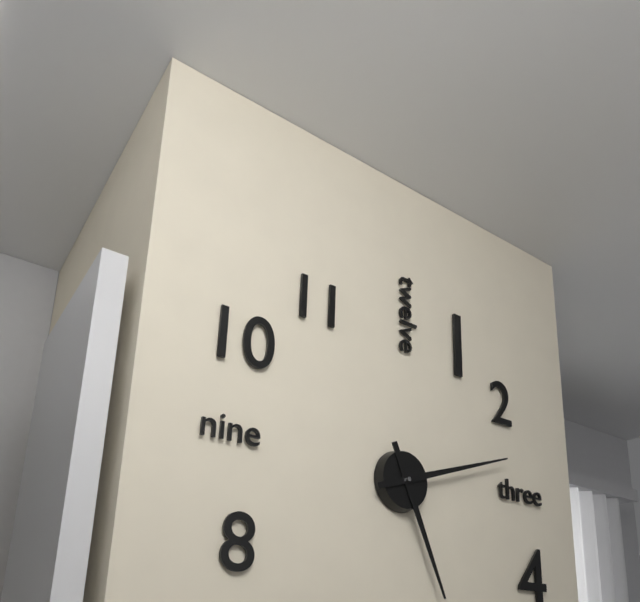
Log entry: **5:12**
